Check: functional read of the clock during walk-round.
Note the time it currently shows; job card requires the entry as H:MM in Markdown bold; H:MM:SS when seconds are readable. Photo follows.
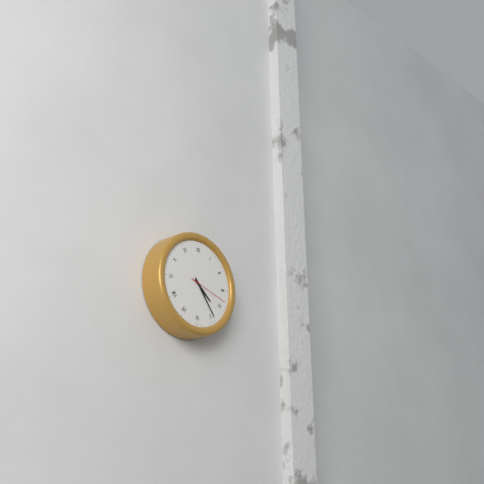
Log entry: **4:24**
